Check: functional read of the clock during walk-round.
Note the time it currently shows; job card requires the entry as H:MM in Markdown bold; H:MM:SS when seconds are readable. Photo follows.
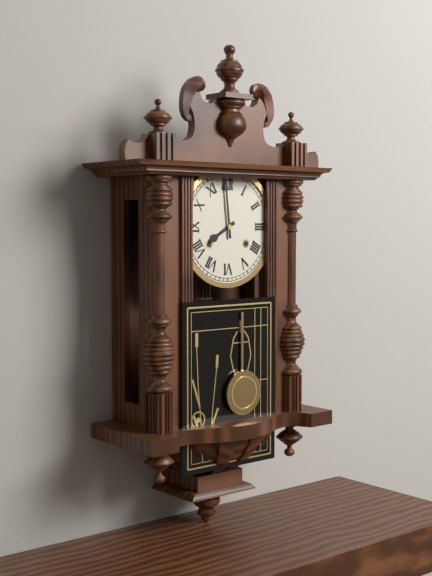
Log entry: **7:59**
